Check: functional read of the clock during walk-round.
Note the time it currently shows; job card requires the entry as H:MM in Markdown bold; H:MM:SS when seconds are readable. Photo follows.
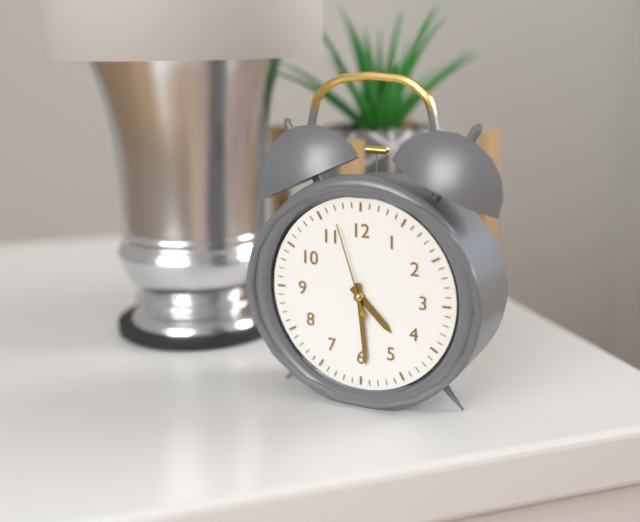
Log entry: **4:29:57**
